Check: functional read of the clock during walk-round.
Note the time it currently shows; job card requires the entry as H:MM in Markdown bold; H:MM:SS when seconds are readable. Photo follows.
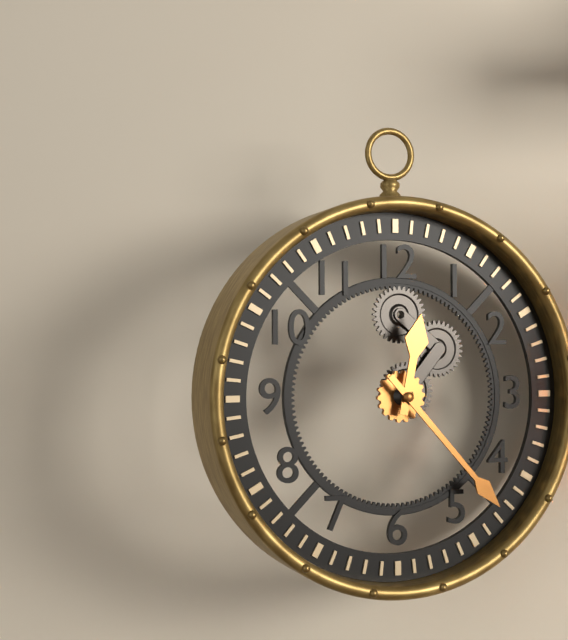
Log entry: **12:23**
